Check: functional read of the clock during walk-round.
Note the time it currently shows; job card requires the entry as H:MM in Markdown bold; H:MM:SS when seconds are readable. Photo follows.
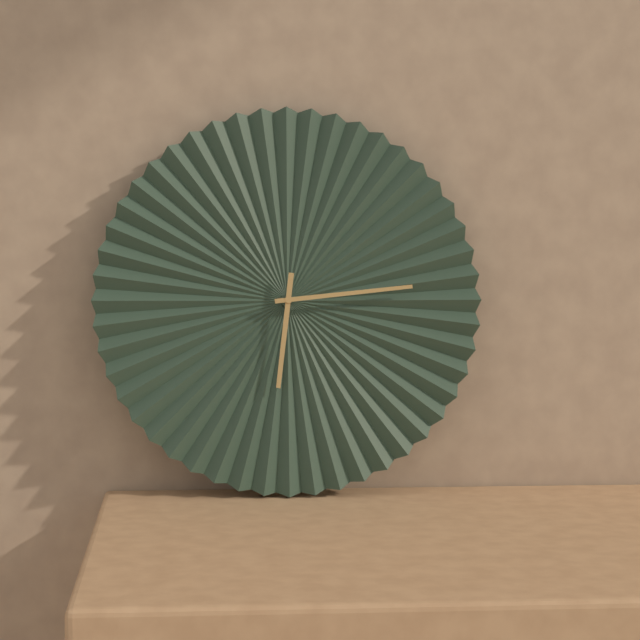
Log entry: **6:14**
